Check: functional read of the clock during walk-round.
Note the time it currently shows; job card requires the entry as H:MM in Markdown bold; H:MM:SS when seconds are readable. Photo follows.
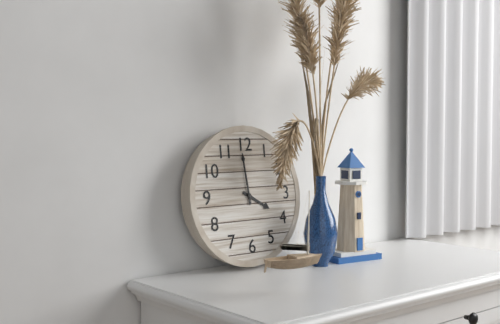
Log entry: **3:59**
